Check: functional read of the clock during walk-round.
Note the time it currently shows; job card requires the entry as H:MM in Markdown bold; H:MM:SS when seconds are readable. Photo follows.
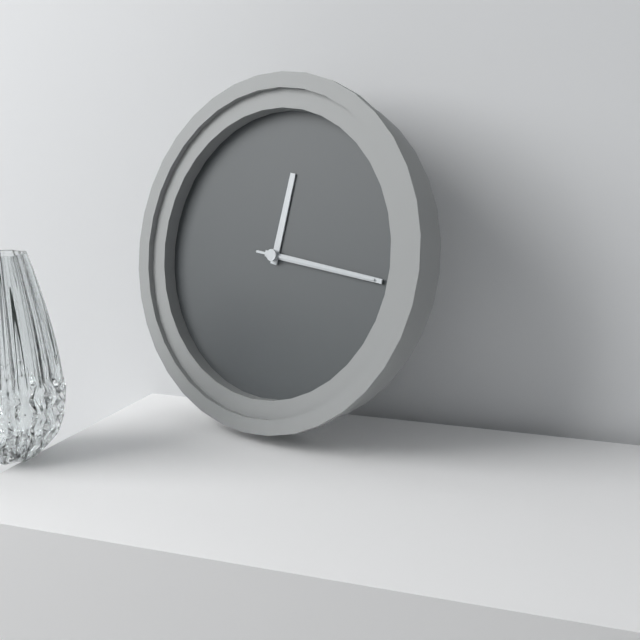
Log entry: **12:16:16**
